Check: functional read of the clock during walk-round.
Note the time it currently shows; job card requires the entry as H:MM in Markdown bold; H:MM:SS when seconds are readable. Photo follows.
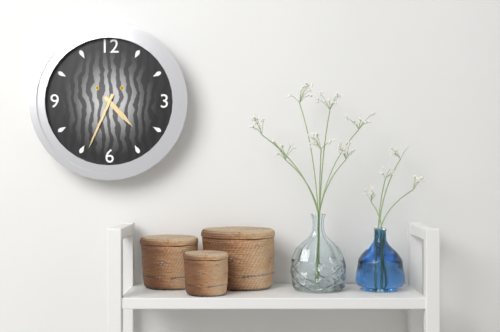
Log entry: **4:34**
